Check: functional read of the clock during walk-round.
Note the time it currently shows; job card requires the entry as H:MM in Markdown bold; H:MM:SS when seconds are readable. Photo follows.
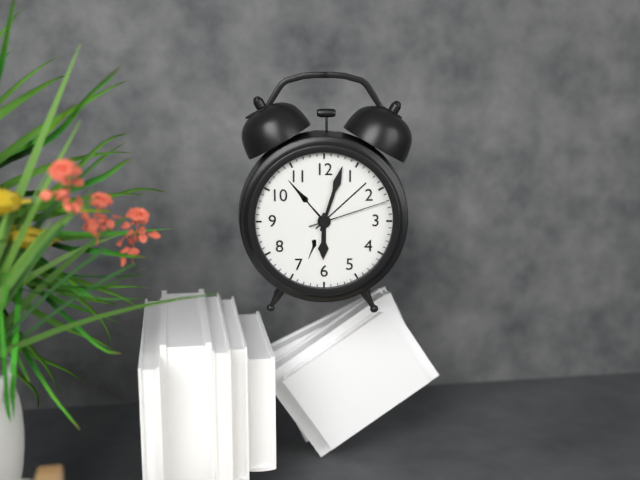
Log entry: **6:03:12**
